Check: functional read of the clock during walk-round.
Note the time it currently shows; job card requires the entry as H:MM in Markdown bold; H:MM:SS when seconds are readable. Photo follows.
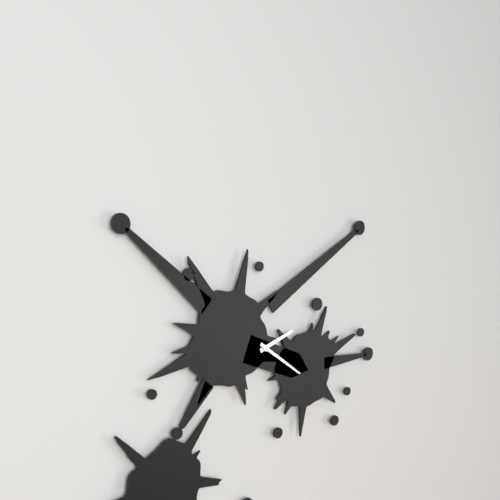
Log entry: **2:21**
